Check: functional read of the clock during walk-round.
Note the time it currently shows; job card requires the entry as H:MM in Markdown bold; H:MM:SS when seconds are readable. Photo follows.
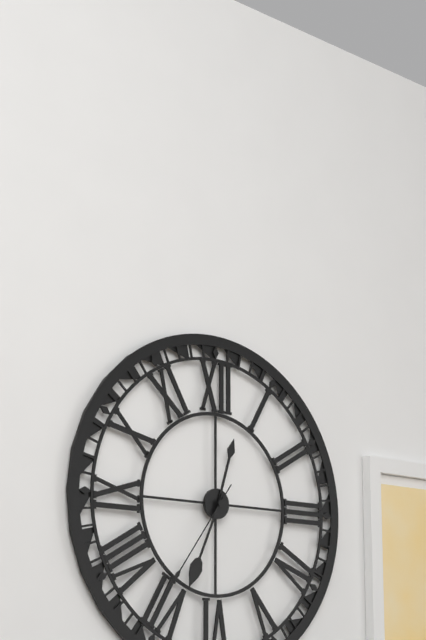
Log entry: **12:34:36**
